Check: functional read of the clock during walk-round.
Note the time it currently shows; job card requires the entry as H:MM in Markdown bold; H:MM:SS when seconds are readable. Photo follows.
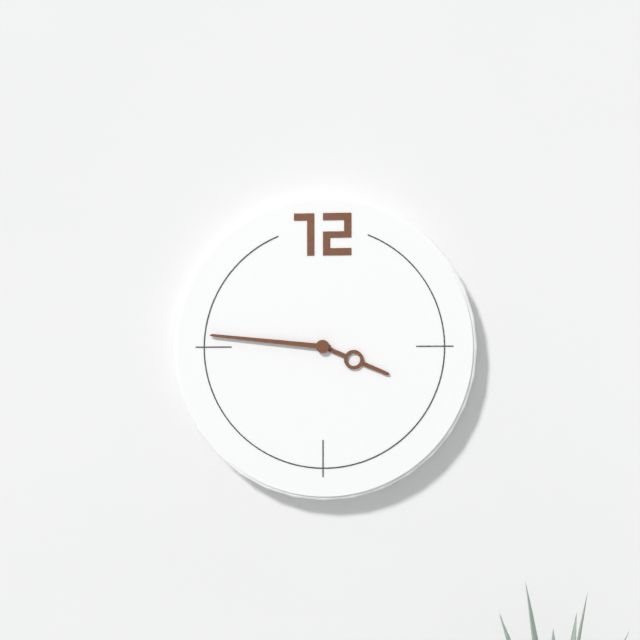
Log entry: **3:46**
